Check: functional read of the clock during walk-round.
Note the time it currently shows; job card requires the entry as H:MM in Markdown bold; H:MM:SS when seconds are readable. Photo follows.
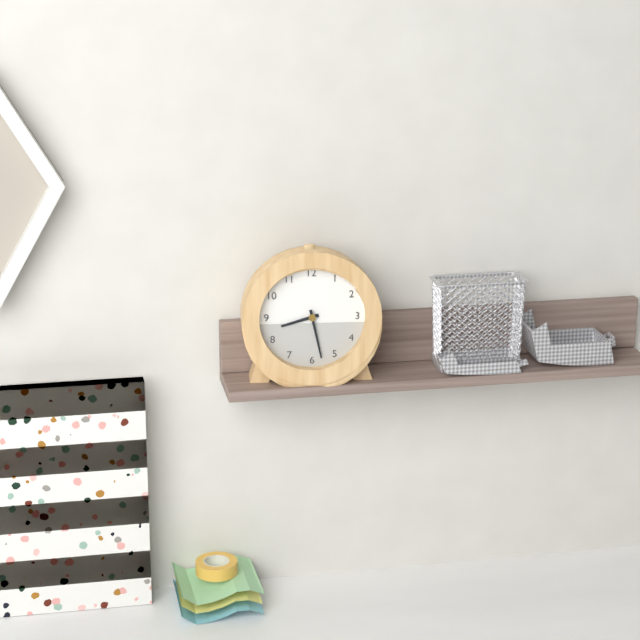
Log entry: **8:28**
